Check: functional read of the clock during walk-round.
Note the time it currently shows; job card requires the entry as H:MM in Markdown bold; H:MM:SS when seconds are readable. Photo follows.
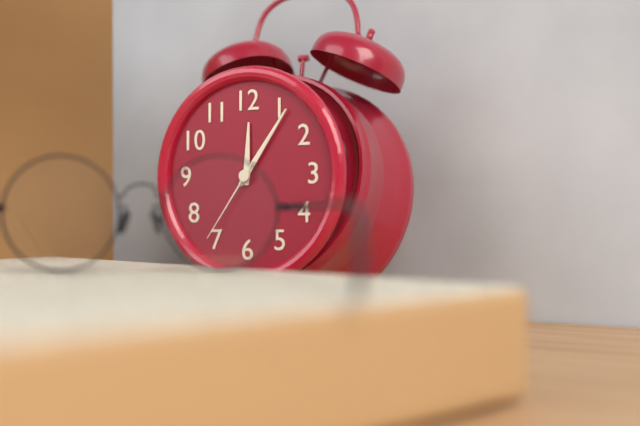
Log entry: **12:06:36**
